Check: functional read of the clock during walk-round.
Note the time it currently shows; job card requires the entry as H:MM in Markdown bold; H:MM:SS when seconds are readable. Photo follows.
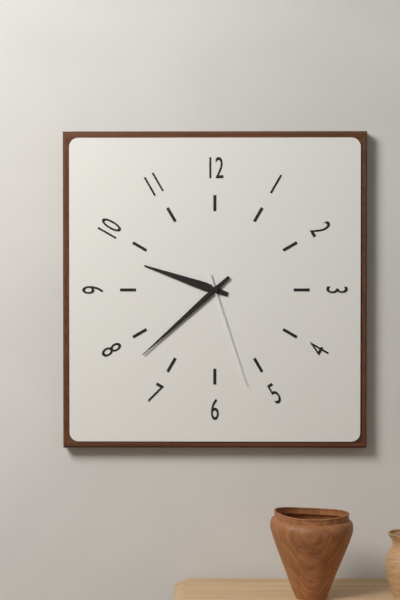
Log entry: **9:38:27**
